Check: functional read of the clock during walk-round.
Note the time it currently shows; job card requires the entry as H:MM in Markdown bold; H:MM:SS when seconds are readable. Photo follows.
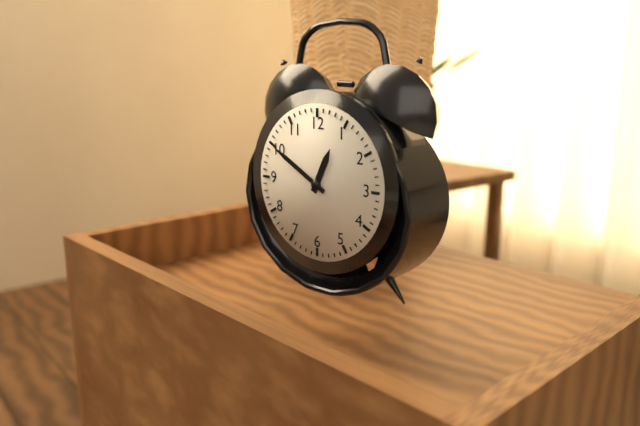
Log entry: **12:50**
